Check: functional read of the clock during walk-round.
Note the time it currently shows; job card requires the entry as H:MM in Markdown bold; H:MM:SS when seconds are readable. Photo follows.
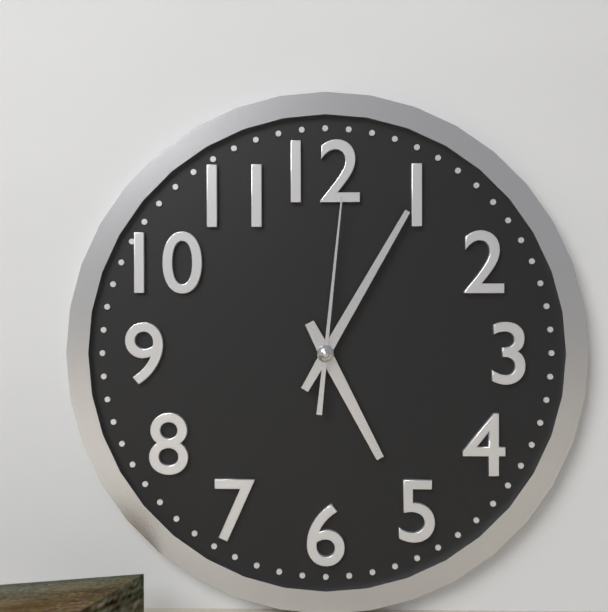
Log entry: **5:05:01**
